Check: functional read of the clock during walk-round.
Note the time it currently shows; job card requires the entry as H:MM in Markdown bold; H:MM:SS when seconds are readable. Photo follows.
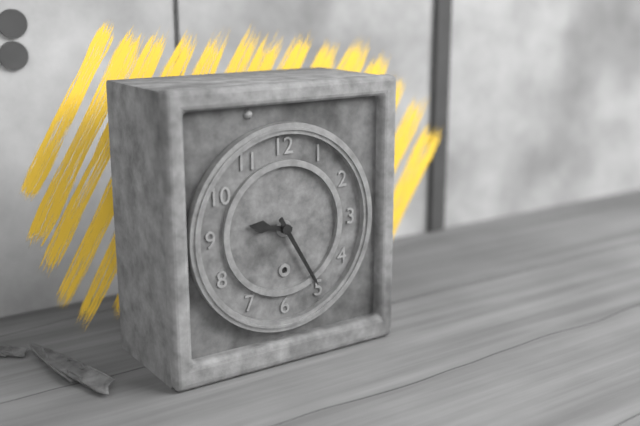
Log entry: **9:25**
